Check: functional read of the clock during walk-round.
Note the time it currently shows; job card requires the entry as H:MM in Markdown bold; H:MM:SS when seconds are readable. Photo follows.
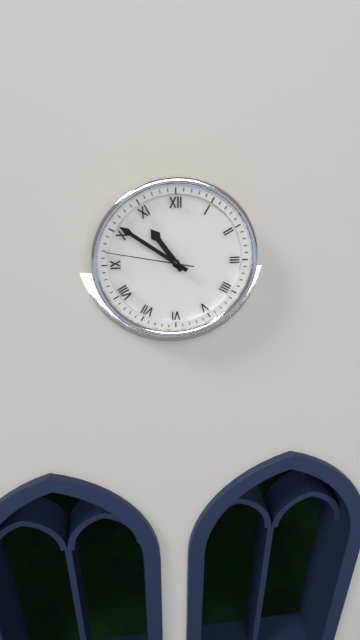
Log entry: **10:51:47**
